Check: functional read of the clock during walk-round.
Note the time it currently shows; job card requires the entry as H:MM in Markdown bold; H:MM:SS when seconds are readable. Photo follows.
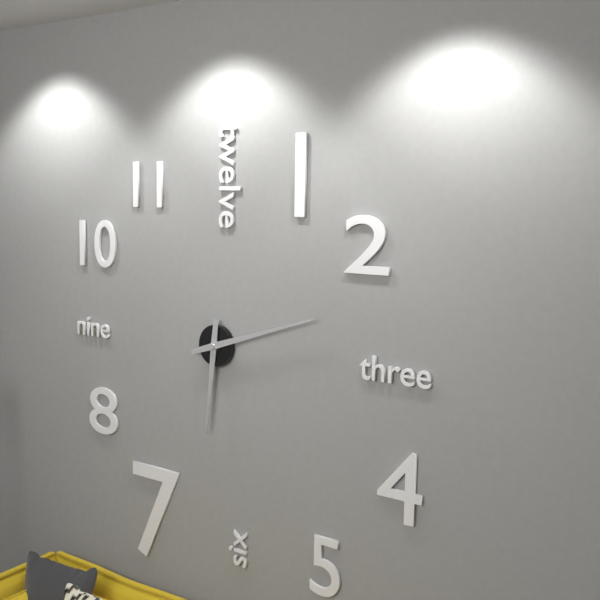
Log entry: **6:12**
